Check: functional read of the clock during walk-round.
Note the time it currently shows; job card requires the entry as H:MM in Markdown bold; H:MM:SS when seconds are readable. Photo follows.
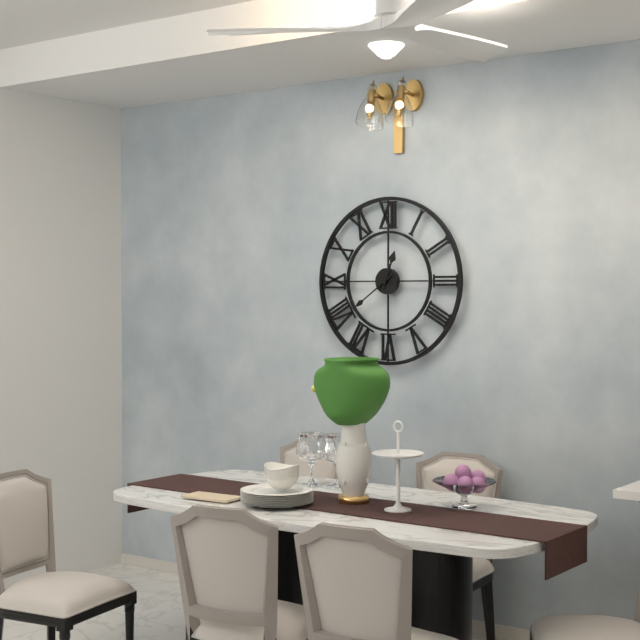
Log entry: **12:39**
